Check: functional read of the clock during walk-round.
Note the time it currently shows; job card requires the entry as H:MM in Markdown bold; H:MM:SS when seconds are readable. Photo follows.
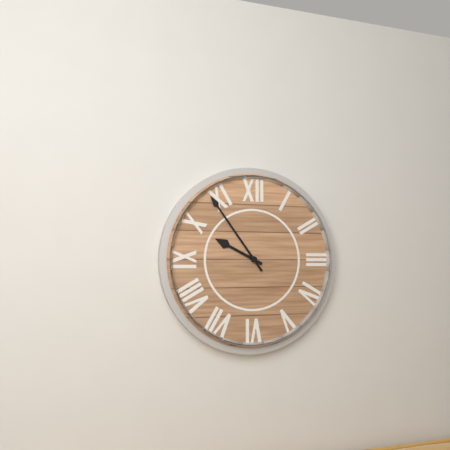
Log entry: **9:54**
